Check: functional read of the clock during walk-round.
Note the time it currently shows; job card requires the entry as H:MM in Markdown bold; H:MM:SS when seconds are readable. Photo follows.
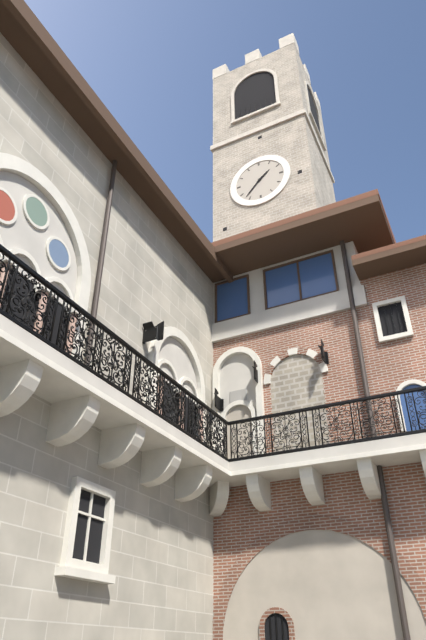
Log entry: **1:37**
